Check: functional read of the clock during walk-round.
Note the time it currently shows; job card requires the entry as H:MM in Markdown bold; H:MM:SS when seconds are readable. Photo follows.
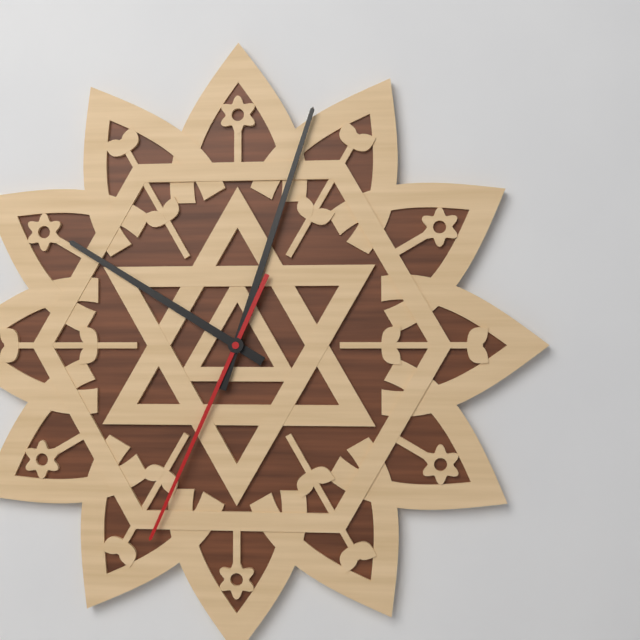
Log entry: **10:03:34**
